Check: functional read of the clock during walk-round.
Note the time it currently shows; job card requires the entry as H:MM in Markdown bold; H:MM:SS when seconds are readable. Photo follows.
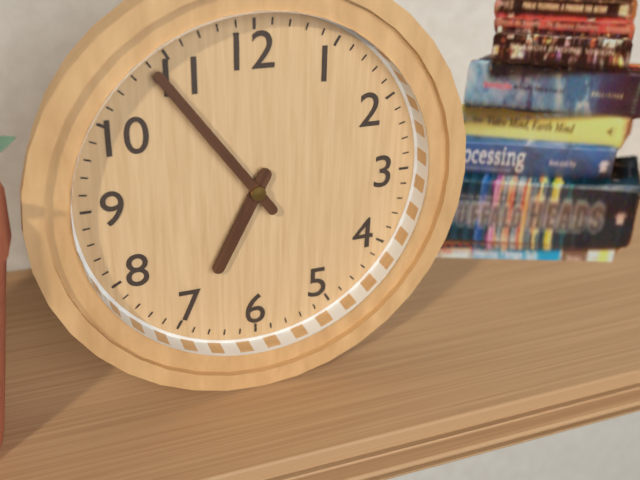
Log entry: **6:54**
